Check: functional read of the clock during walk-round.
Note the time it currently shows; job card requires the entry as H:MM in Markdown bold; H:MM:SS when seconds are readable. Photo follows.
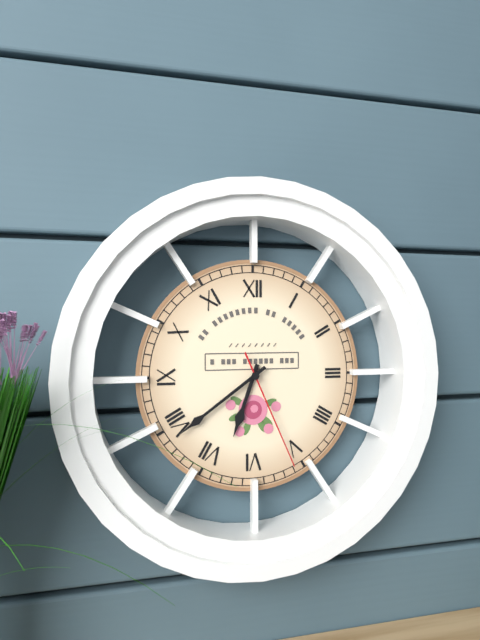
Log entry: **6:39:26**
